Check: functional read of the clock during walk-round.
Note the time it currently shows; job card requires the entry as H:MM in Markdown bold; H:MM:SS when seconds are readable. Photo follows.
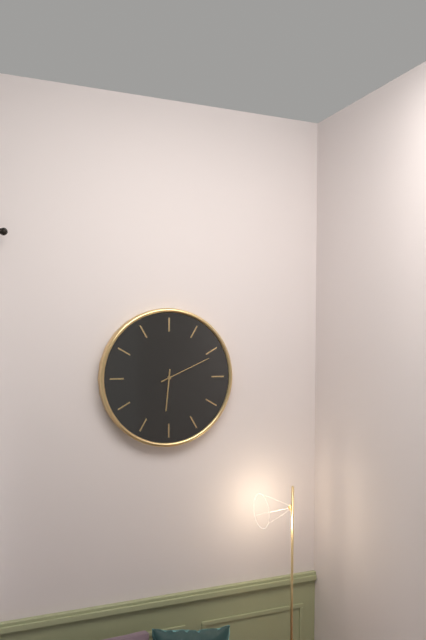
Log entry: **6:11**
